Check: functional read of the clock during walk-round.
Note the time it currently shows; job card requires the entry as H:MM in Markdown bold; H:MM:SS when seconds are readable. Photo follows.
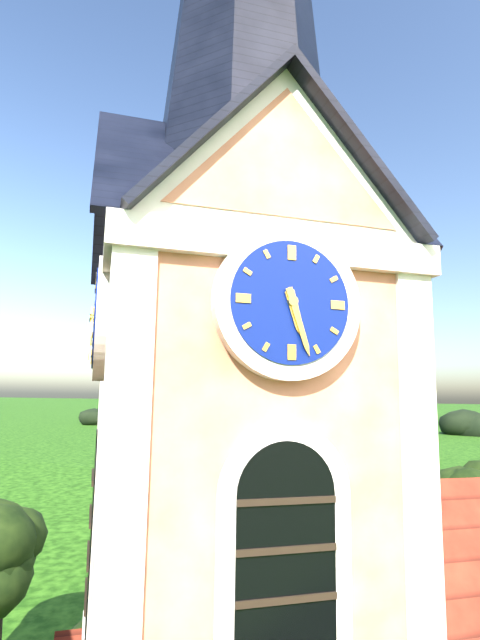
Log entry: **5:27**
